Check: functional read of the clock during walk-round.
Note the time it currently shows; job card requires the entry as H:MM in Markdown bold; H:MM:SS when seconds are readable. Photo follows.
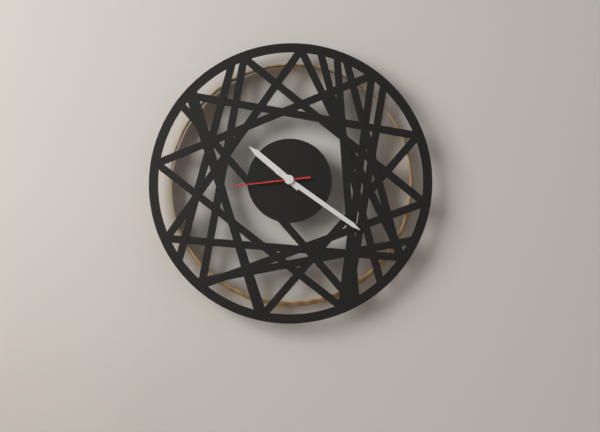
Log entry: **10:21:44**
